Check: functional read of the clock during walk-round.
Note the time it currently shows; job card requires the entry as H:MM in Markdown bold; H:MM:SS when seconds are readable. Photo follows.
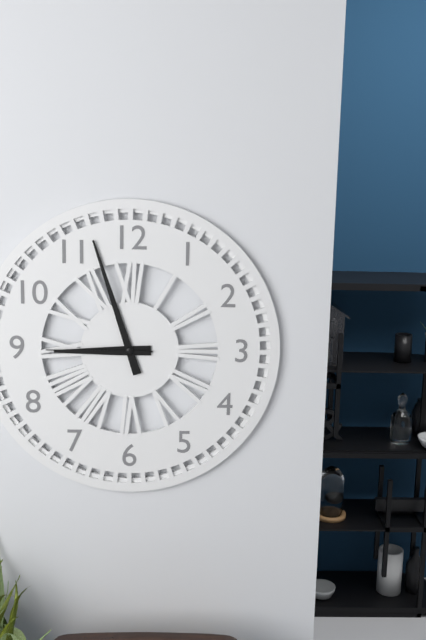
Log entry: **8:57:45**
